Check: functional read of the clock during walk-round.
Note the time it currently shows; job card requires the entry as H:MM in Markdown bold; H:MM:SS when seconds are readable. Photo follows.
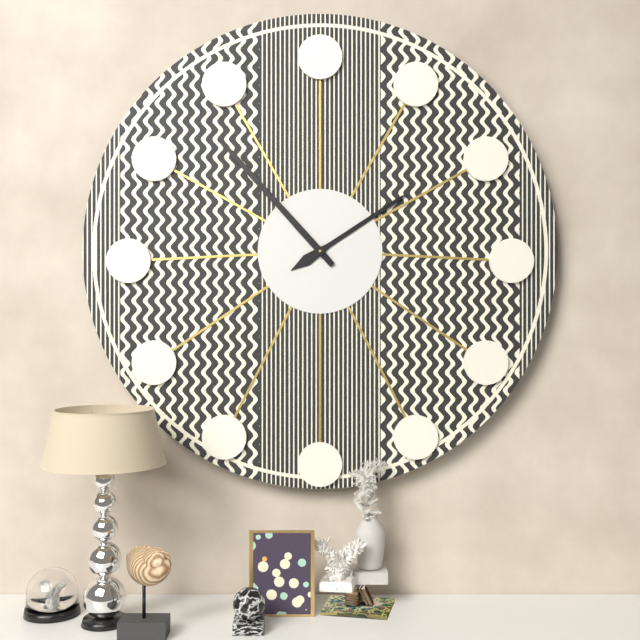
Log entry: **1:53**
